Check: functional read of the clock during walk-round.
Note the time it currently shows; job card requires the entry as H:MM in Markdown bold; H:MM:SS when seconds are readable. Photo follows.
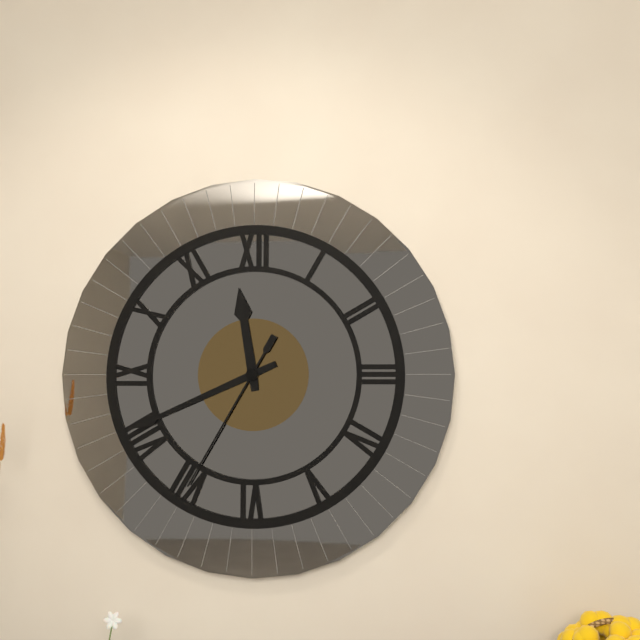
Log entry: **11:41:35**
